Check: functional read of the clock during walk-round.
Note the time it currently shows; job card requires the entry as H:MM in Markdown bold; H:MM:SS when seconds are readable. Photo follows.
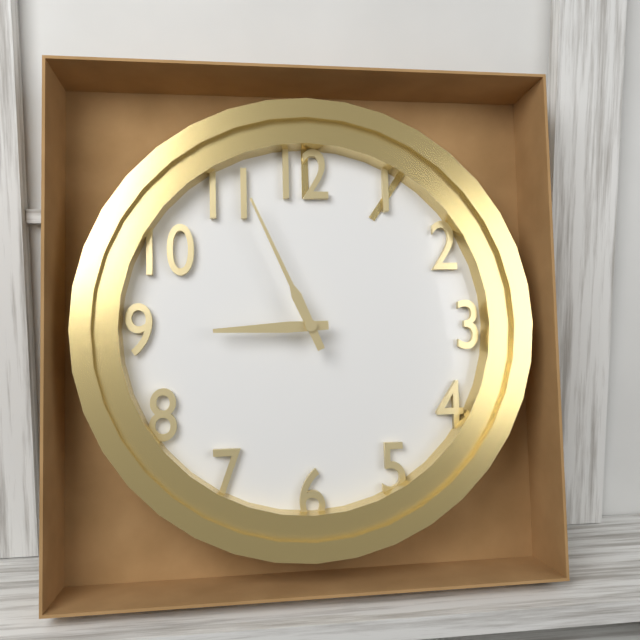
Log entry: **8:56**
